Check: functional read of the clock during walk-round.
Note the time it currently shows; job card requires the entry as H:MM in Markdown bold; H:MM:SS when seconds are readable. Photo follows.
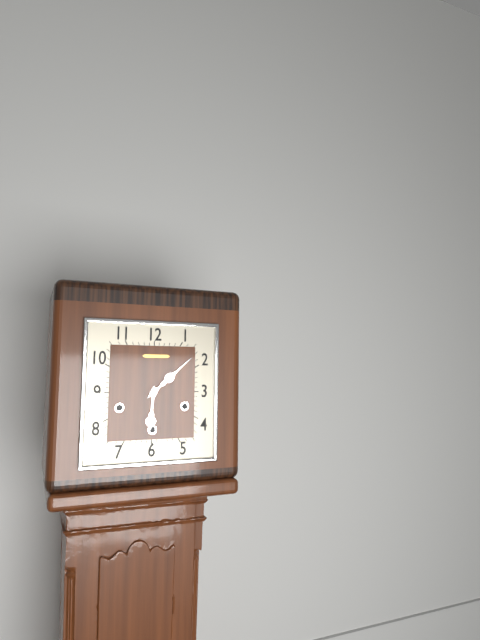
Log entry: **6:08**
